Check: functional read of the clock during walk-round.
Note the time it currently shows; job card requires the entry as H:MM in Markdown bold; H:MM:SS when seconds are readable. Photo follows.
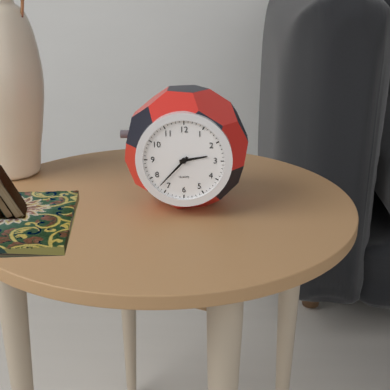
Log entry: **2:37**
